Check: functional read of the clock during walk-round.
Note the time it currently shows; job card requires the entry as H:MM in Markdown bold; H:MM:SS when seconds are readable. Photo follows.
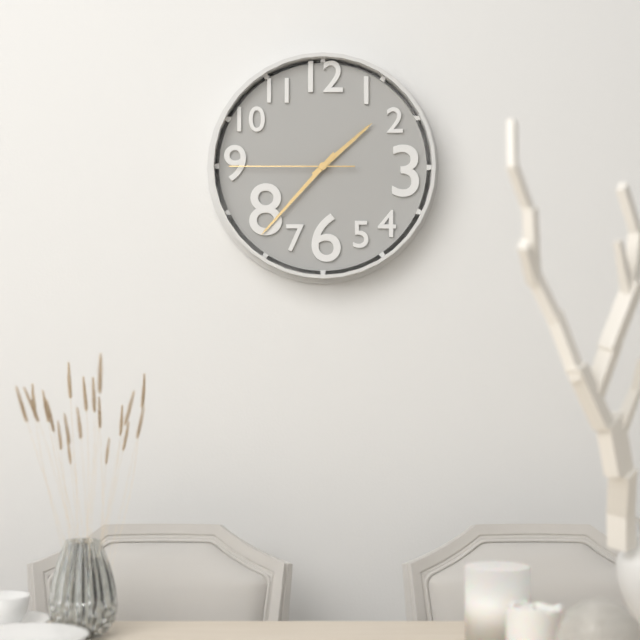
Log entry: **1:37:45**
